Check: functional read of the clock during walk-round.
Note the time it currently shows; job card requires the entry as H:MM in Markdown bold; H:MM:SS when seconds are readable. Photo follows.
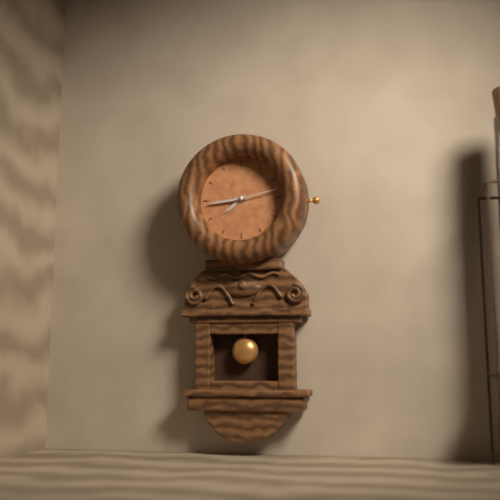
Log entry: **7:44**
